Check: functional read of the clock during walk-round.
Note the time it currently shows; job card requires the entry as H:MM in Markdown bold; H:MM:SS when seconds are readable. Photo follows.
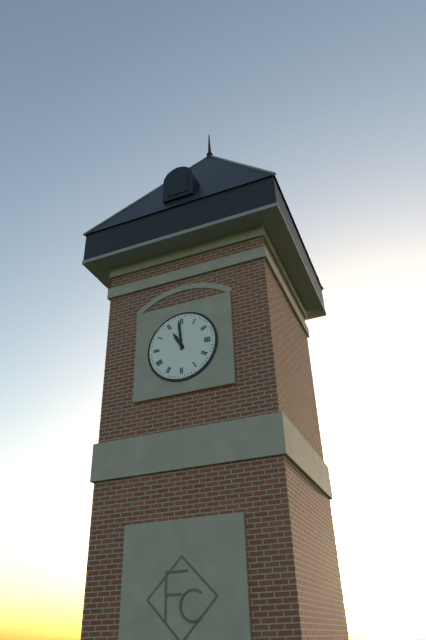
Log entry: **10:59**
